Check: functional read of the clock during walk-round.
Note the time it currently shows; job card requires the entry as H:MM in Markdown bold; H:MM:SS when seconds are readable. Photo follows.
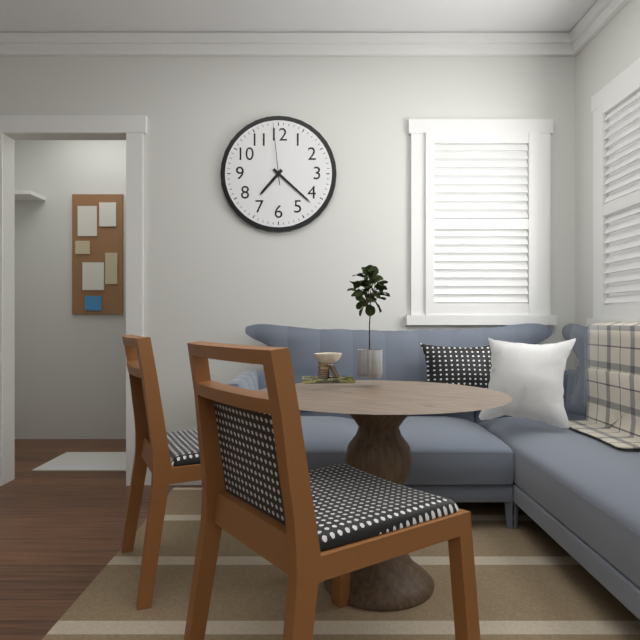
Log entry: **7:22:59**
